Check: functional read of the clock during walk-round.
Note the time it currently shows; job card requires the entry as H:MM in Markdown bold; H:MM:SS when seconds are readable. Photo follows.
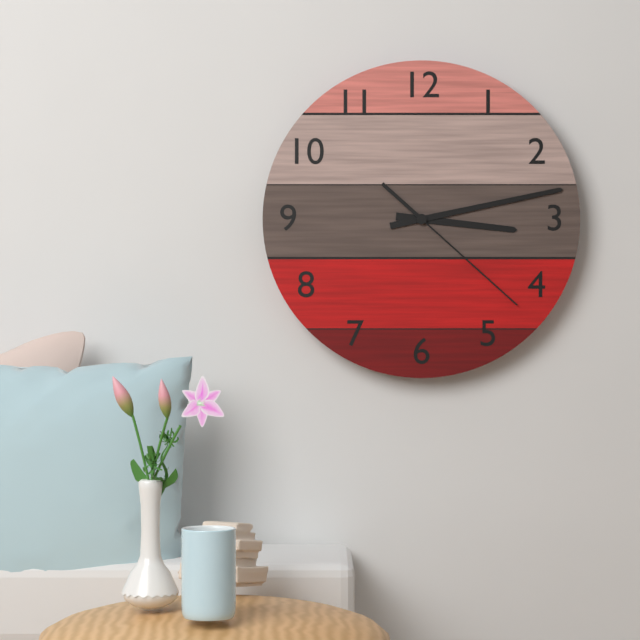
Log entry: **3:13:22**
